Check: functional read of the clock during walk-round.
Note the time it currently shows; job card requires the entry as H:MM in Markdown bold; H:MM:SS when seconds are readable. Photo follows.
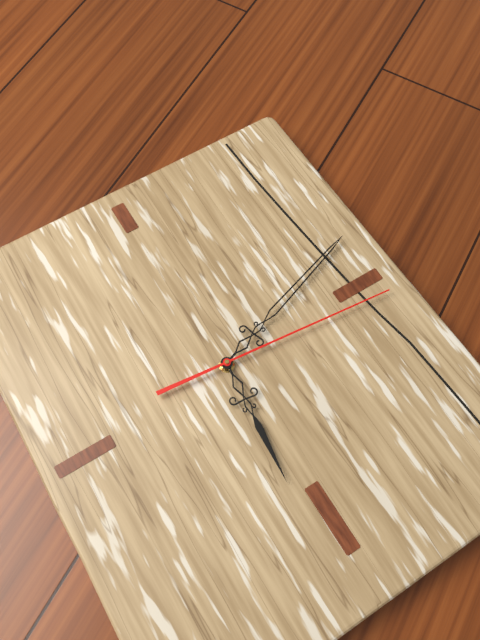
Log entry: **6:12:16**
